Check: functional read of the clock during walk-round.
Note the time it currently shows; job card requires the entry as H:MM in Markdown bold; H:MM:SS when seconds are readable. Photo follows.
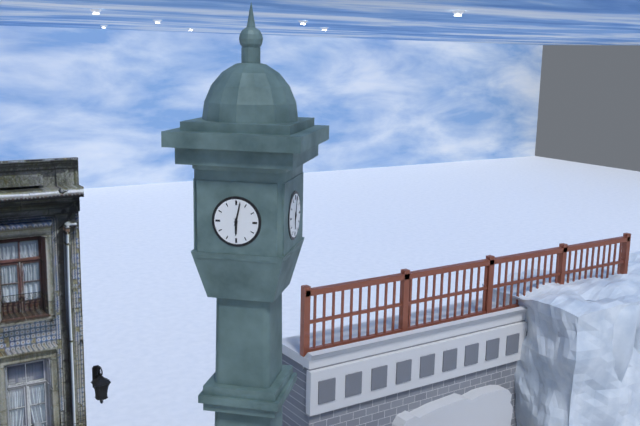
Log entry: **6:02**
